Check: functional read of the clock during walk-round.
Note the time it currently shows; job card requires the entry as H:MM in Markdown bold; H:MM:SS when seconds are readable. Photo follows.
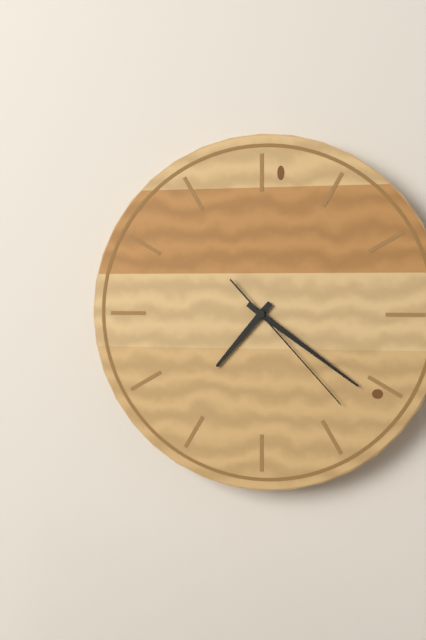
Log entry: **7:21:23**
